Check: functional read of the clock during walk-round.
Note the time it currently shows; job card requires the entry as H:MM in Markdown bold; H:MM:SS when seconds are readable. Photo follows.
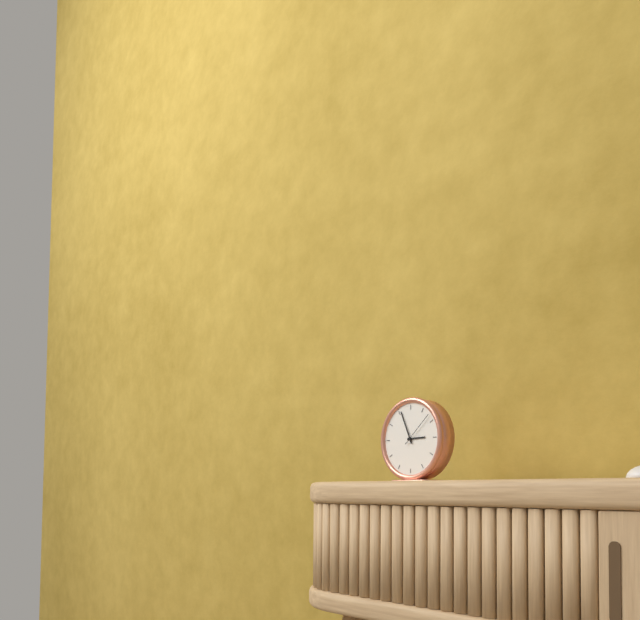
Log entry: **2:56**
